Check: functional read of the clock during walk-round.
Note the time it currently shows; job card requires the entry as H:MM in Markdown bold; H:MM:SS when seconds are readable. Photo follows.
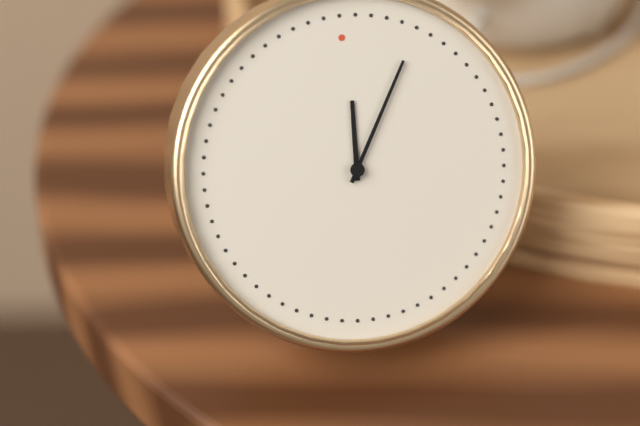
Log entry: **12:05**
